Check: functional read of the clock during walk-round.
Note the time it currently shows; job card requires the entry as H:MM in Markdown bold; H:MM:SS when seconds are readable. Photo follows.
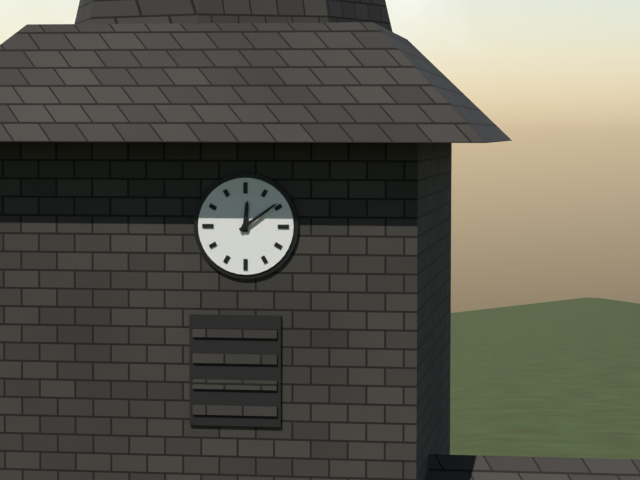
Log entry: **12:09**
